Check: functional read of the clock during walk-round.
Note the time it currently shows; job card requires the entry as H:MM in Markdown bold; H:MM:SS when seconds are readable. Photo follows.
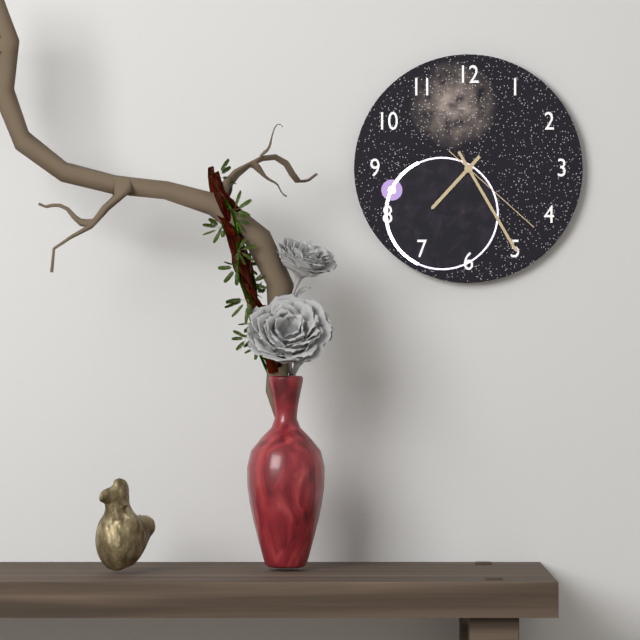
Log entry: **7:25:22**
